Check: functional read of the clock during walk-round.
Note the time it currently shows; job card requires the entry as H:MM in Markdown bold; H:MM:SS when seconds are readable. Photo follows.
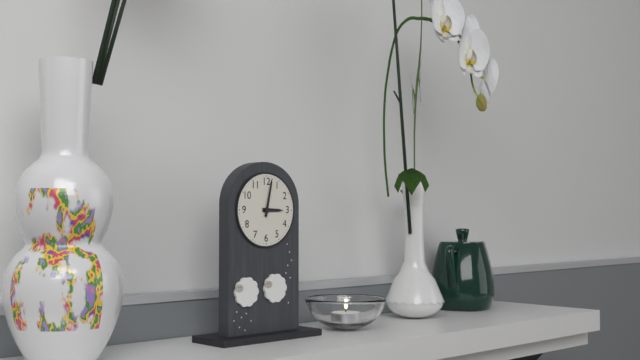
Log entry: **3:02**
